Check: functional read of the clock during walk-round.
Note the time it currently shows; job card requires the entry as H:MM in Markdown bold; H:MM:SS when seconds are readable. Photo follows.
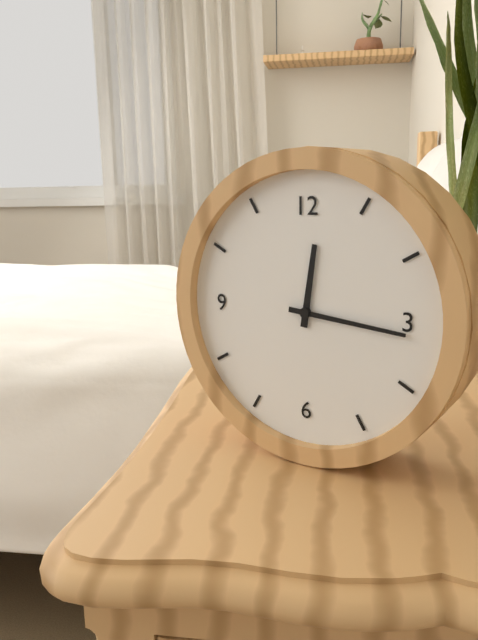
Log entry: **12:16**
